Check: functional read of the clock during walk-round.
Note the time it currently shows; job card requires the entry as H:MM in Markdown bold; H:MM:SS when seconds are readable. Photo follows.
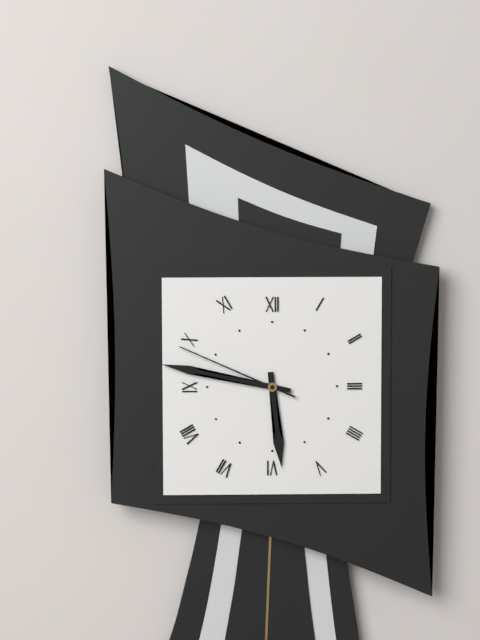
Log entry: **5:47:49**
